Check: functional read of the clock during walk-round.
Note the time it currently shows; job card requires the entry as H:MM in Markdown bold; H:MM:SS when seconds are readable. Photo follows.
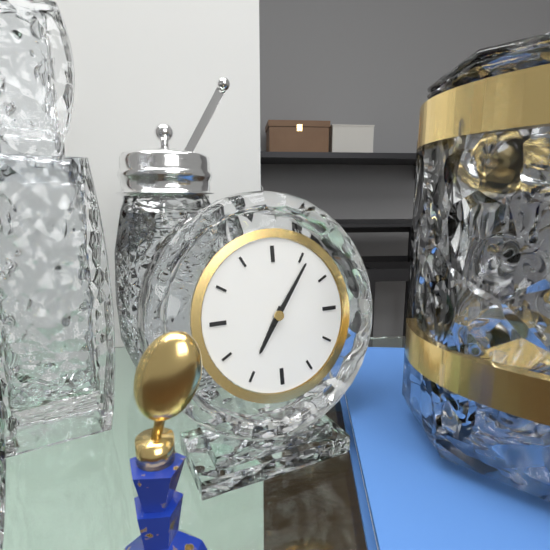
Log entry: **7:06**
